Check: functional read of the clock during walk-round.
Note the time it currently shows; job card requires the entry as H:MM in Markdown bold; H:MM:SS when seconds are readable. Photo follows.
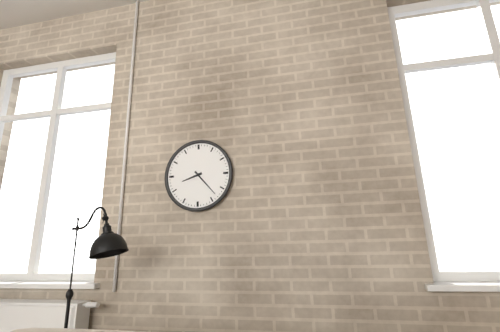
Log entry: **8:23**
